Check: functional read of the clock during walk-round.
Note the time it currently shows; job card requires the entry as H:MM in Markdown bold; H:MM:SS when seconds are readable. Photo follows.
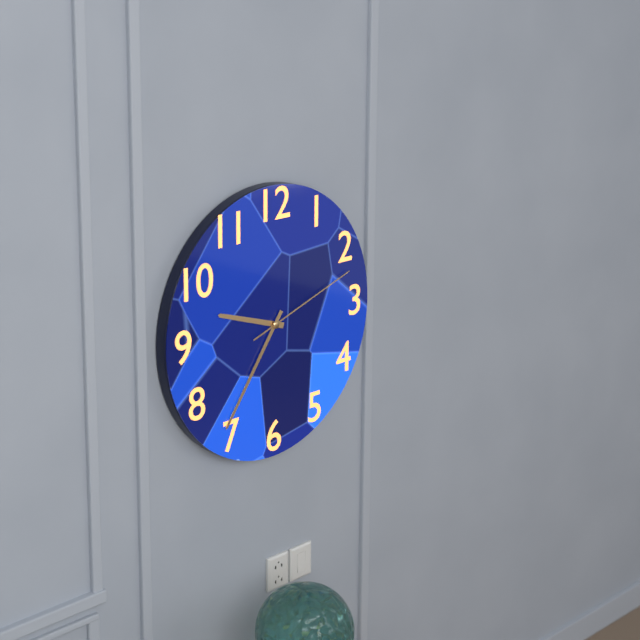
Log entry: **9:36:12**
